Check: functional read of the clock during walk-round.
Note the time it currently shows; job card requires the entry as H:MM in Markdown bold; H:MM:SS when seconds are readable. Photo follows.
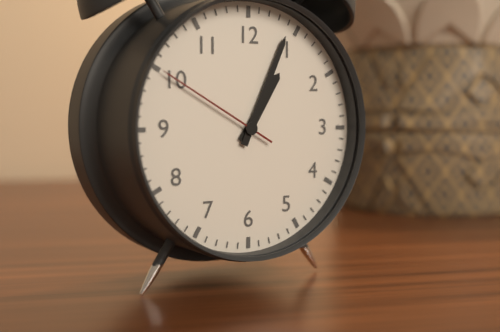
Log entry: **1:04:50**
